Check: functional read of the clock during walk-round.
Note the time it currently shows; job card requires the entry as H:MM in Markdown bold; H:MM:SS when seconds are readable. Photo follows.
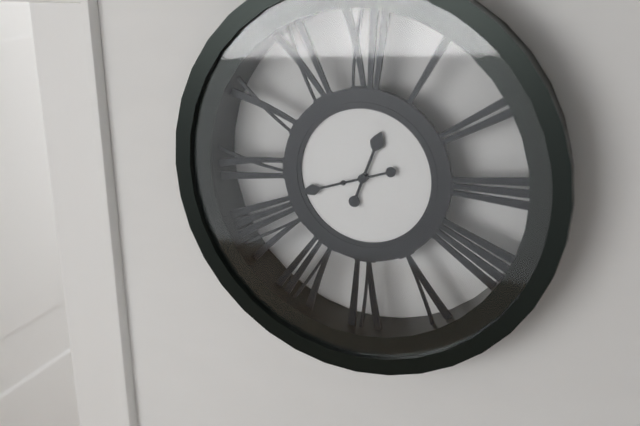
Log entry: **12:42**
